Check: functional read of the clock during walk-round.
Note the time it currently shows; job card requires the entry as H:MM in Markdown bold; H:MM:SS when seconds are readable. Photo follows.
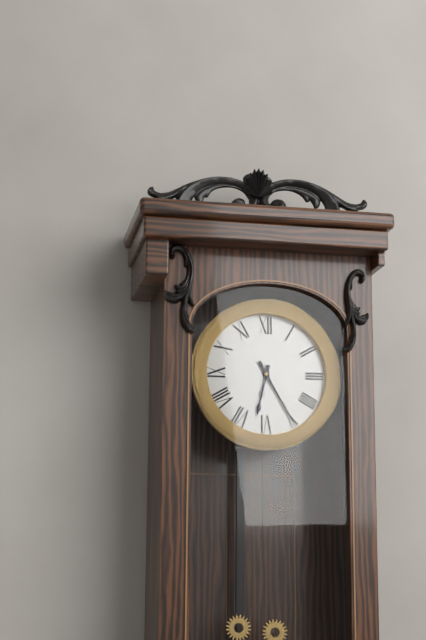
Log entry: **6:25**
